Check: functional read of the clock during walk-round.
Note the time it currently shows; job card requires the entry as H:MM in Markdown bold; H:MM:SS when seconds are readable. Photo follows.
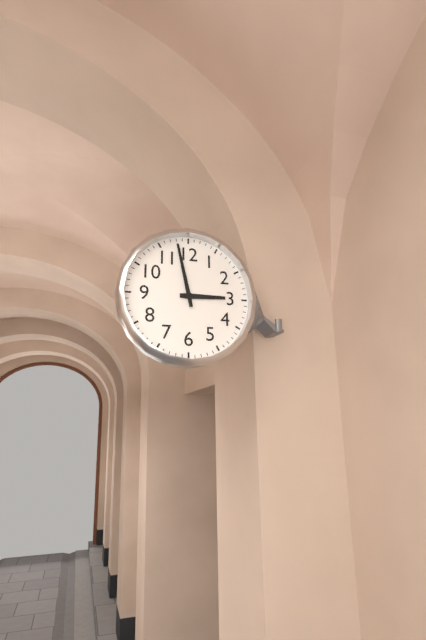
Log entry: **2:58**
